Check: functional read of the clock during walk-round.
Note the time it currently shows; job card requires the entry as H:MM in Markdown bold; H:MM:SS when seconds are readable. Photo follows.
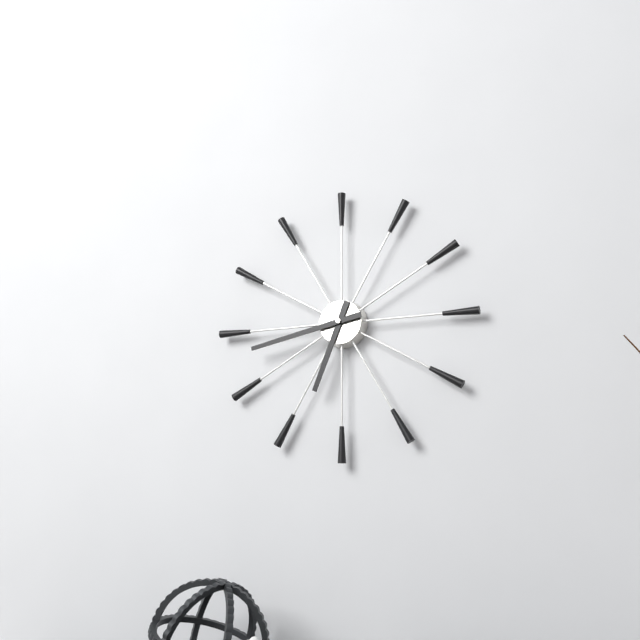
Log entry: **6:43**
